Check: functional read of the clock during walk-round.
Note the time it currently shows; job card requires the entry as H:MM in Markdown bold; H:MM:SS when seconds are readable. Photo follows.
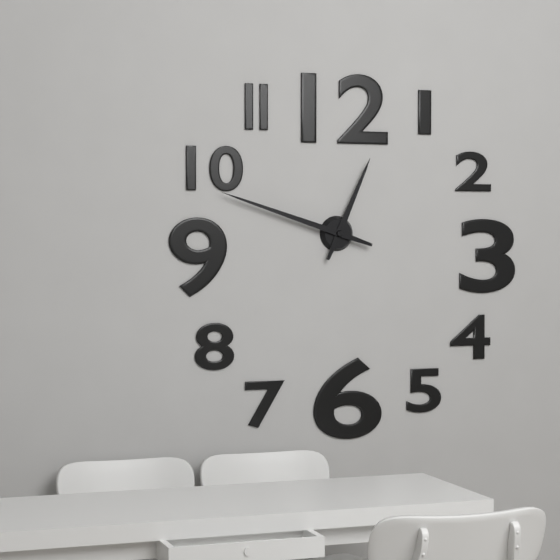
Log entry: **12:48**
